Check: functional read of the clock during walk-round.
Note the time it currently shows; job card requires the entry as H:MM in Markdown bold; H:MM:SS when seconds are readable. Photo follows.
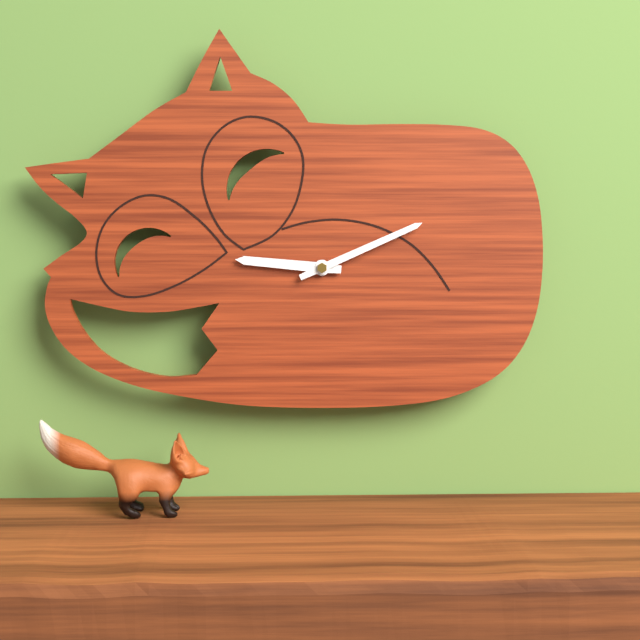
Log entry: **9:11**
